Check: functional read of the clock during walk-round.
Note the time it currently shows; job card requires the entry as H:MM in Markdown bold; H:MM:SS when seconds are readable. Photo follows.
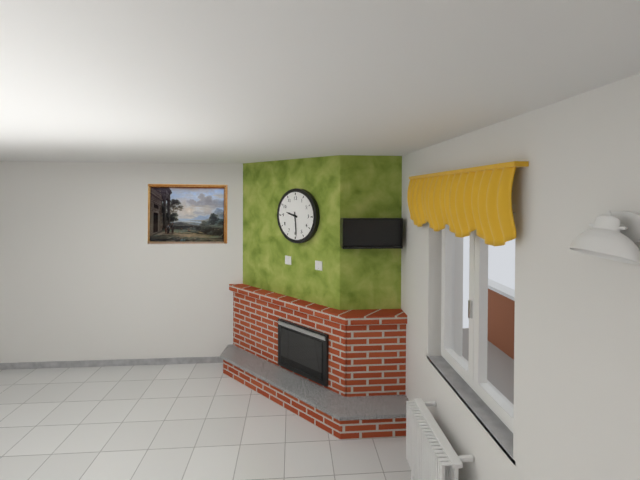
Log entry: **9:29**
